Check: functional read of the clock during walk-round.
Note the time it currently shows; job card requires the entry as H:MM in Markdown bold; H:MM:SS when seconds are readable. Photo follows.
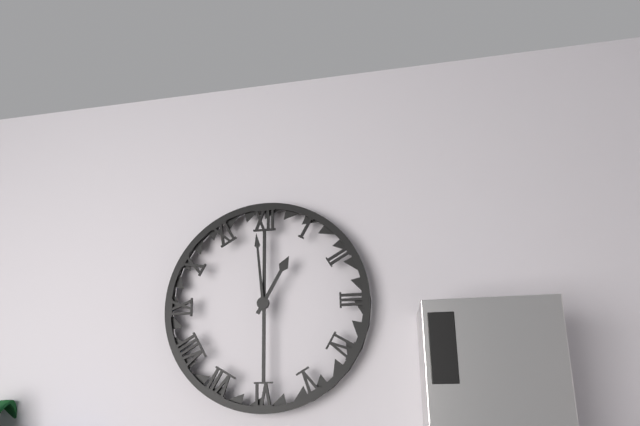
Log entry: **12:59**
